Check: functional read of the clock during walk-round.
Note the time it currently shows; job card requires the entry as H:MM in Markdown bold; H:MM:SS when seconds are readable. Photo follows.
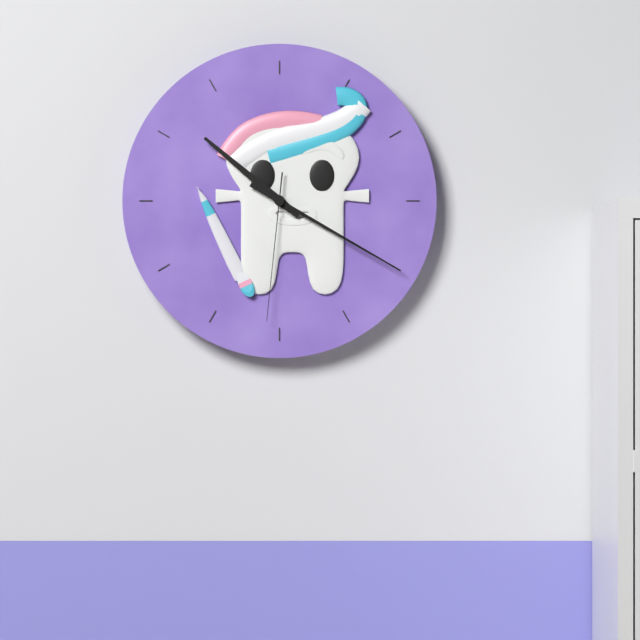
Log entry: **10:20:31**
